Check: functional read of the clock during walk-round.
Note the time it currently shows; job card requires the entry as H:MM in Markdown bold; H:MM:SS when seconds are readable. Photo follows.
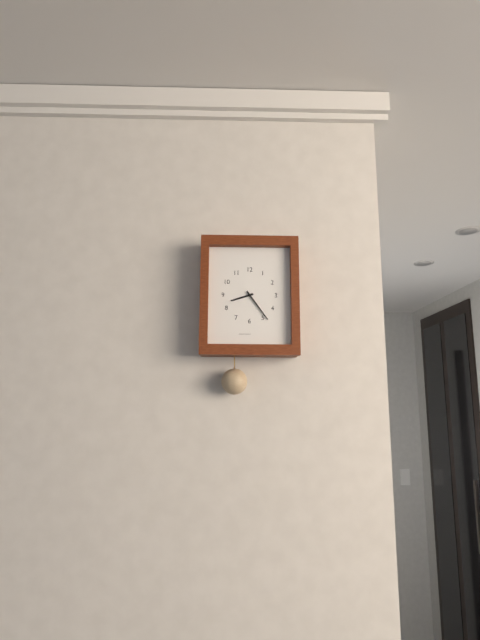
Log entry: **8:24**
